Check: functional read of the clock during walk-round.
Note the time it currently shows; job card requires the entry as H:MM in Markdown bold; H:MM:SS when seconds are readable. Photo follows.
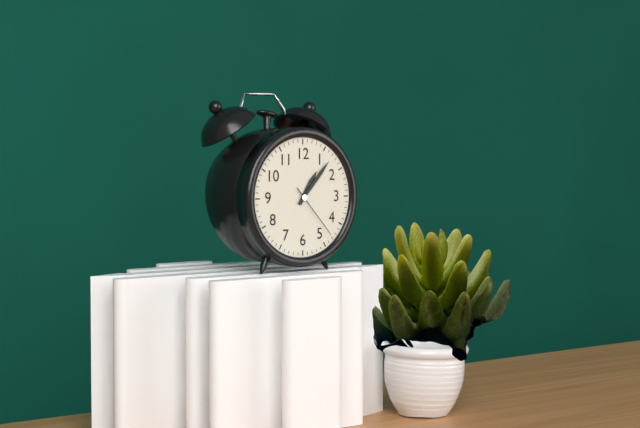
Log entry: **1:07:23**
